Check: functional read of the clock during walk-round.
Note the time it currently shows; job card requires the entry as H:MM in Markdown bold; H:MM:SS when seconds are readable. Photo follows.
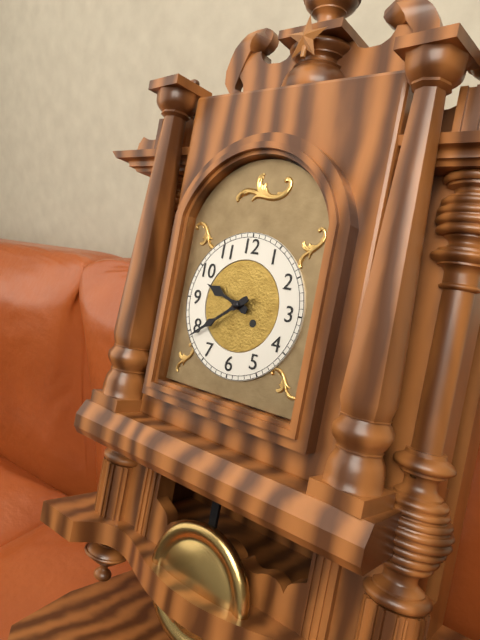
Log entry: **9:39**
